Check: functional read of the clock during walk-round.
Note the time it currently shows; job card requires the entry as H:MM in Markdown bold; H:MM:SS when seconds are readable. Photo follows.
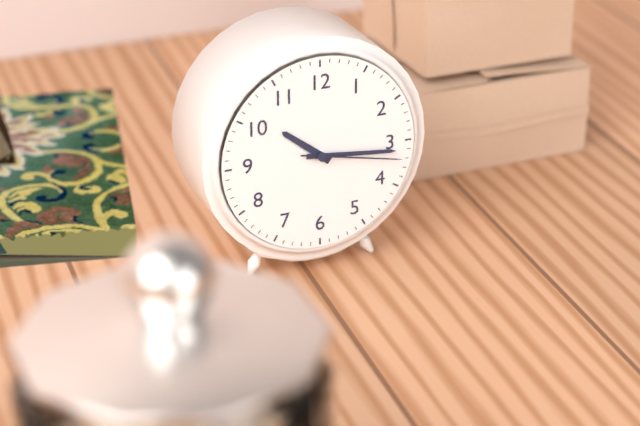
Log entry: **10:16:17**
